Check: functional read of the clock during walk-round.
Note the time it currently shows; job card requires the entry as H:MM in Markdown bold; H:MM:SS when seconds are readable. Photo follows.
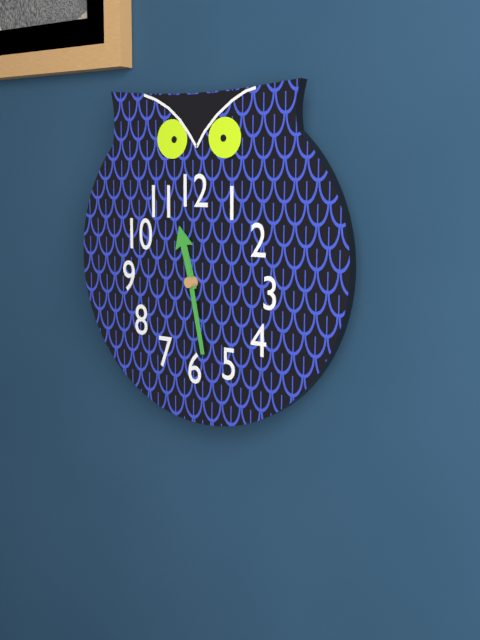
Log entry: **11:28**
